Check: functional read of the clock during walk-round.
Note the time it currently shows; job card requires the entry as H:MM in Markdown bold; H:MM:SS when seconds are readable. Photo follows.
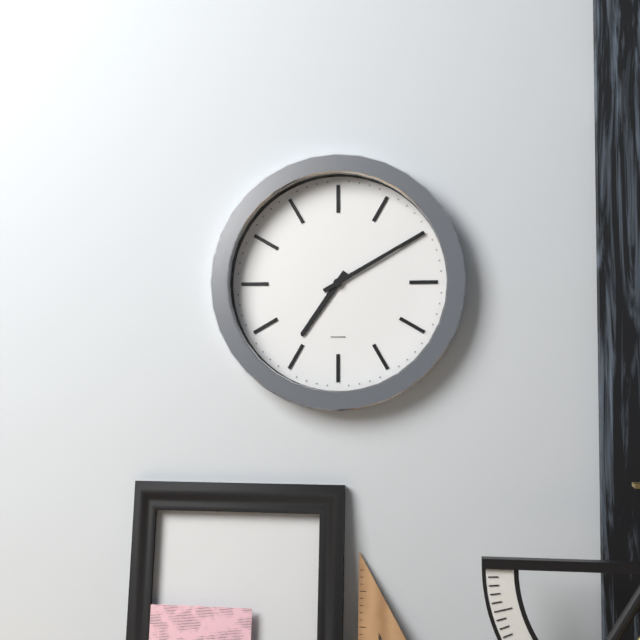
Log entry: **7:10**
